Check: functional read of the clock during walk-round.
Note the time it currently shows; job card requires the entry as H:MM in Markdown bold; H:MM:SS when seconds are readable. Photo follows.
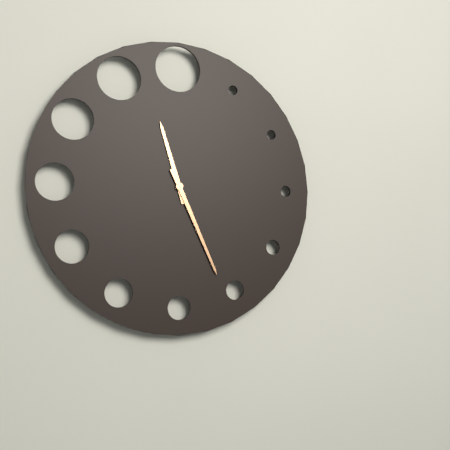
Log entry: **11:26**
